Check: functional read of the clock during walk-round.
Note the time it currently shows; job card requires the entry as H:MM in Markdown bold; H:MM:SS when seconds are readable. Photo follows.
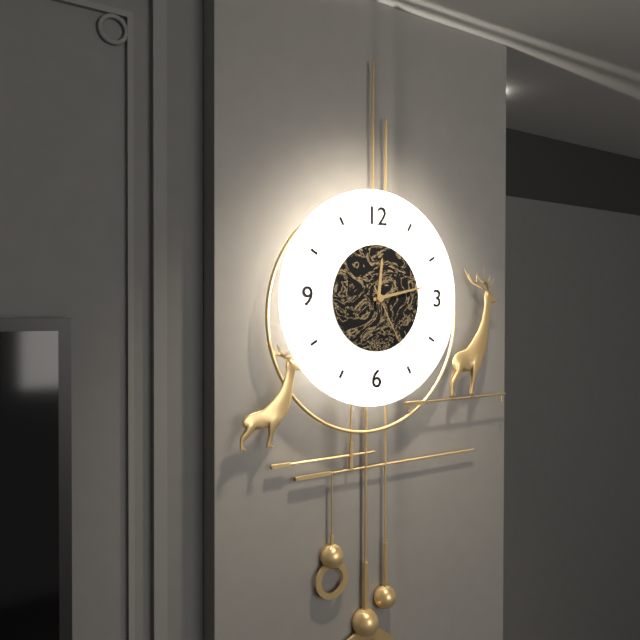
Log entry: **12:13:25**
